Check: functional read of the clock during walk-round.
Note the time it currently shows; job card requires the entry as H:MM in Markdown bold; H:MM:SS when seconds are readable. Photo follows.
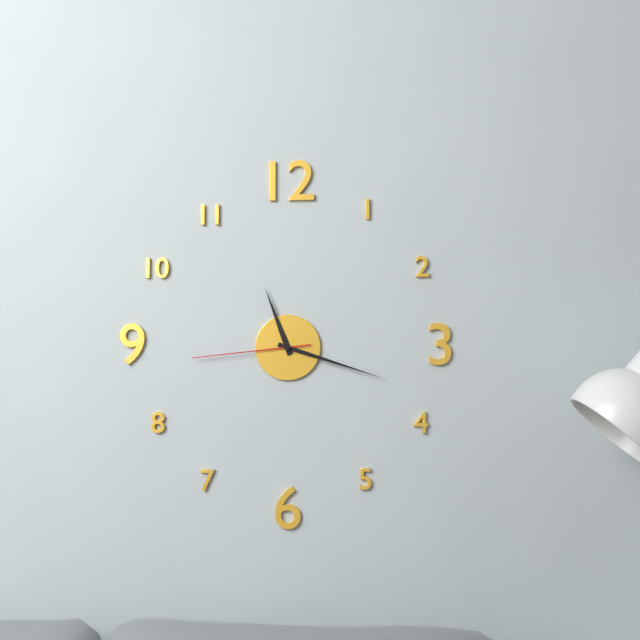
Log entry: **11:18:44**
